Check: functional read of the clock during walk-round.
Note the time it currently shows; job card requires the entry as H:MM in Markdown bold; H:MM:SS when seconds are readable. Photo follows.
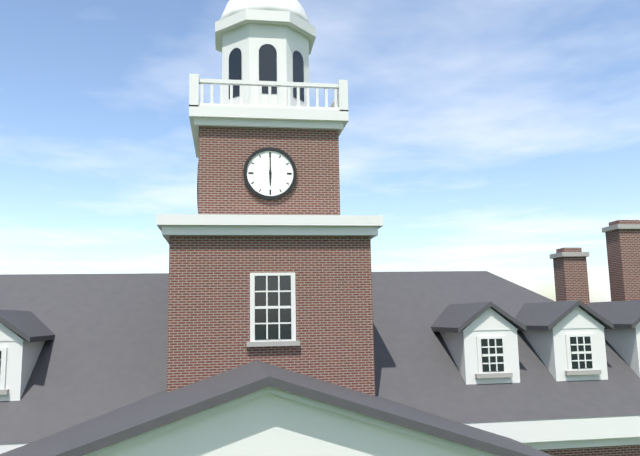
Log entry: **6:00**
